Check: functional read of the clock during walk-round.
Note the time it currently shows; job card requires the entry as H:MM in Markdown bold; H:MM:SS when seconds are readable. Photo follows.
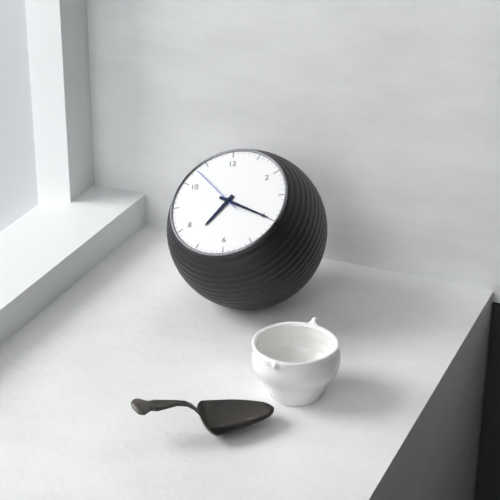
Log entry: **7:20:53**
